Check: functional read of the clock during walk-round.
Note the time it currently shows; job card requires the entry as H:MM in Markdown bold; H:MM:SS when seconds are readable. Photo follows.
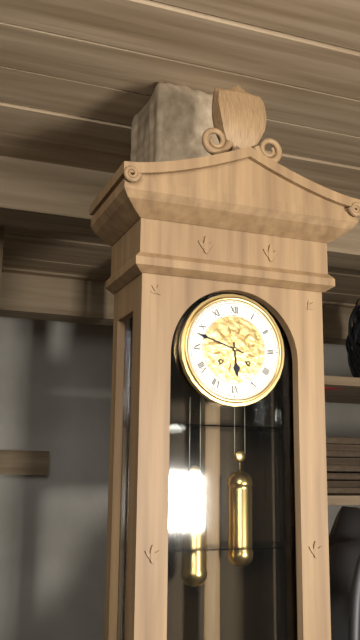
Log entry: **5:48**
